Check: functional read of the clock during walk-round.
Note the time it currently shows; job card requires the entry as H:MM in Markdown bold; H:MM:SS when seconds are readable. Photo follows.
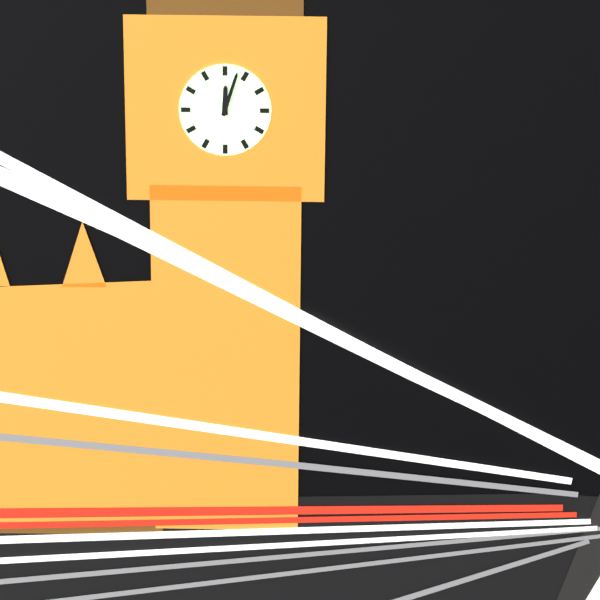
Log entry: **12:03**
